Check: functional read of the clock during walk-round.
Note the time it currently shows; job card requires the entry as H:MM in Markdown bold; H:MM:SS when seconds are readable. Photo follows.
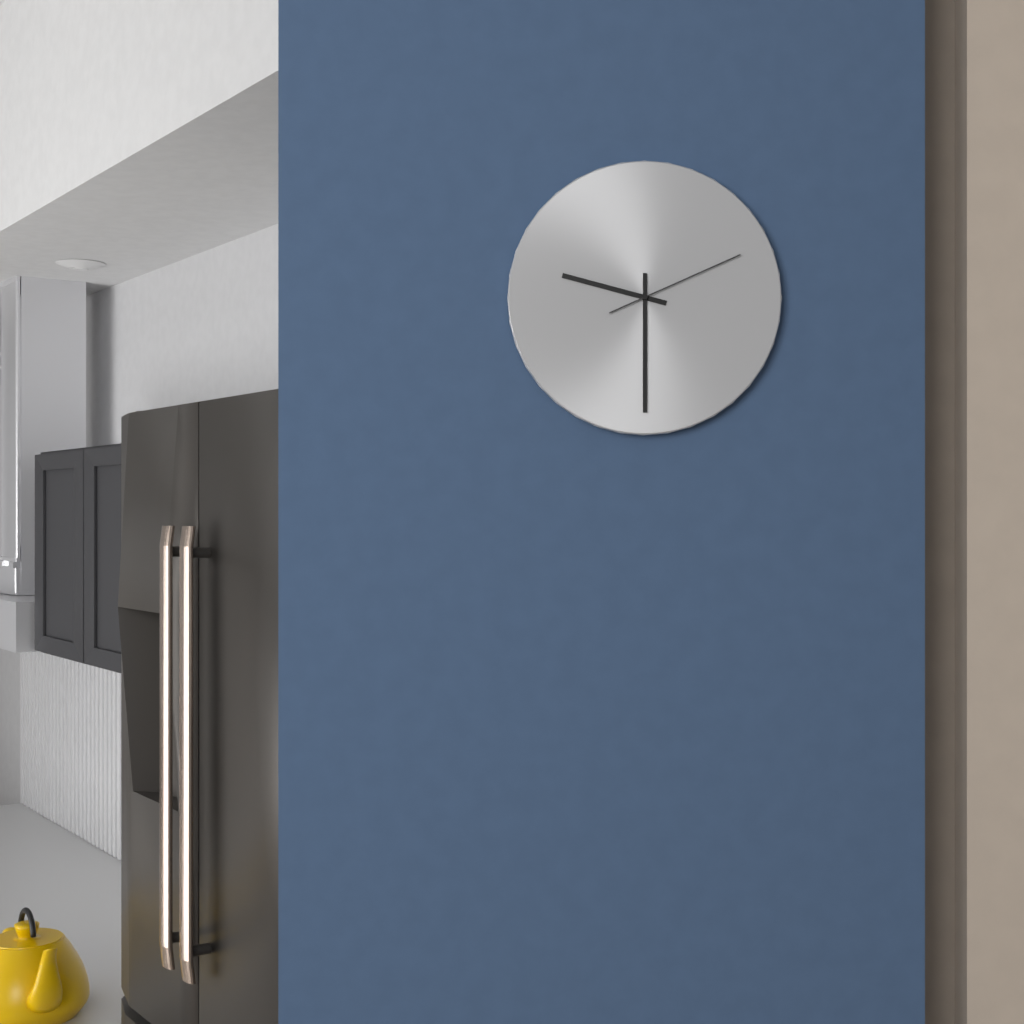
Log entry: **9:30:11**
